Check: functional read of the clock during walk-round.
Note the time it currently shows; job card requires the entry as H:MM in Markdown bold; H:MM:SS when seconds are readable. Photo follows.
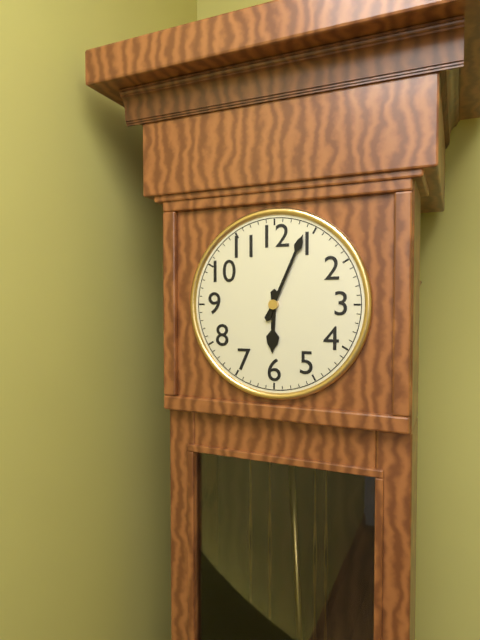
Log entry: **6:04**
